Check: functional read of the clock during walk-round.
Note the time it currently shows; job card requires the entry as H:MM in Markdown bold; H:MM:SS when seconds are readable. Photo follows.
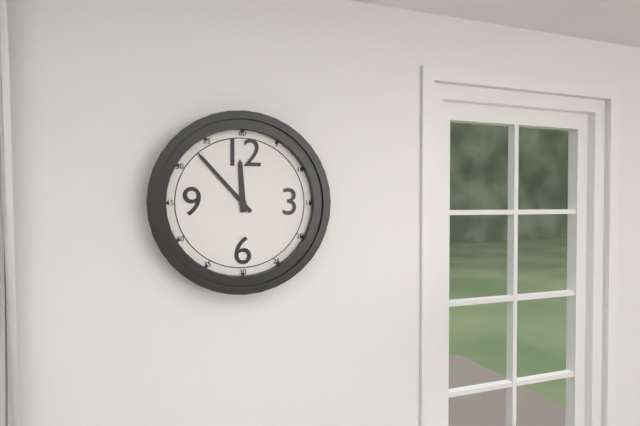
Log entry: **11:53**
